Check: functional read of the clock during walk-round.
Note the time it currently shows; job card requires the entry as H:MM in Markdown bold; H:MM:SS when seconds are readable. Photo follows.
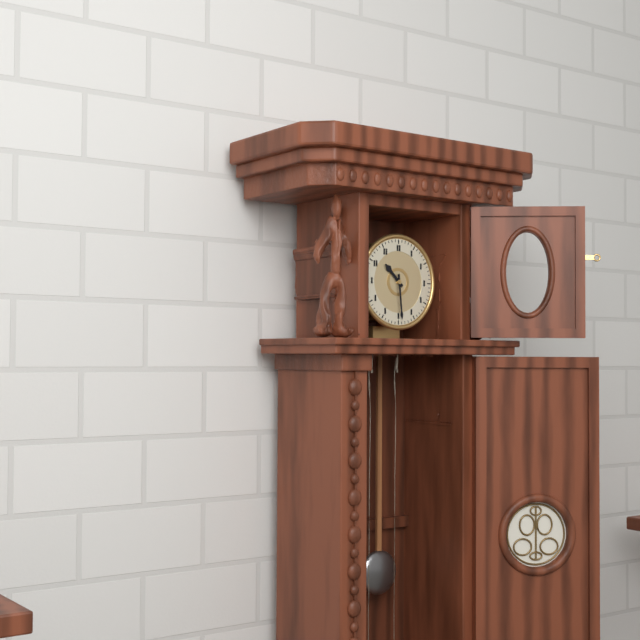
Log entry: **10:29**
